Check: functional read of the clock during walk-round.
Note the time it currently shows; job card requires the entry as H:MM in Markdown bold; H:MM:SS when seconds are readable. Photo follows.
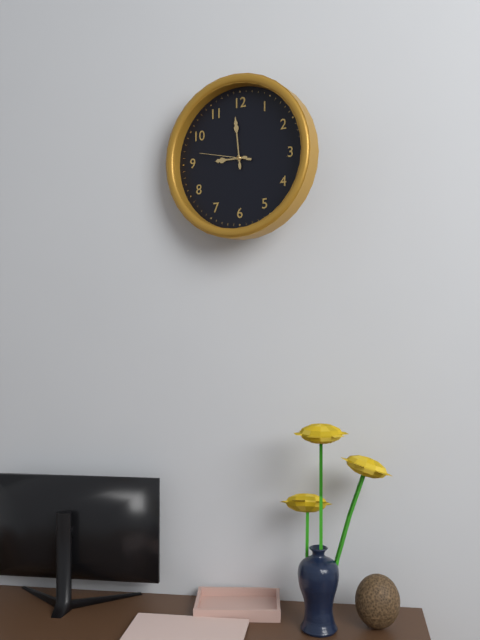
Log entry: **8:59:47**
